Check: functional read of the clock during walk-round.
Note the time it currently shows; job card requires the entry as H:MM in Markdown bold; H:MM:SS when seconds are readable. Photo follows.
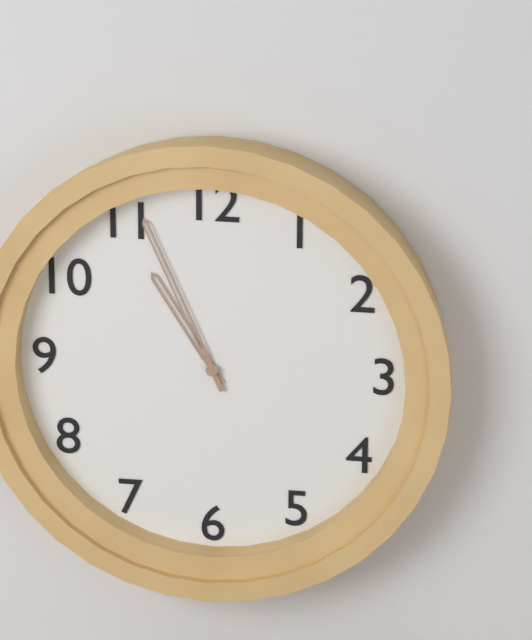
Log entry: **10:56**
